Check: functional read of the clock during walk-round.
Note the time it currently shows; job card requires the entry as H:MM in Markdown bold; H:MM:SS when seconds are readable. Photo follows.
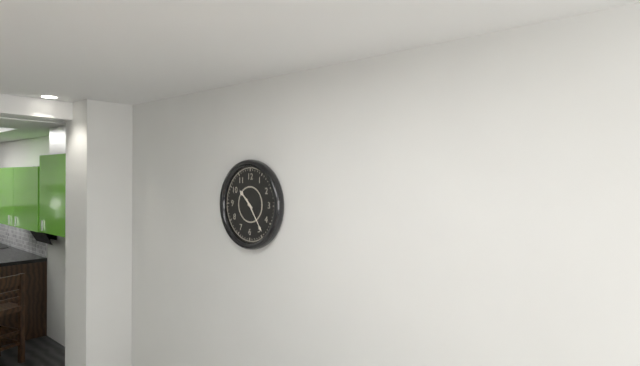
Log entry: **10:24**
